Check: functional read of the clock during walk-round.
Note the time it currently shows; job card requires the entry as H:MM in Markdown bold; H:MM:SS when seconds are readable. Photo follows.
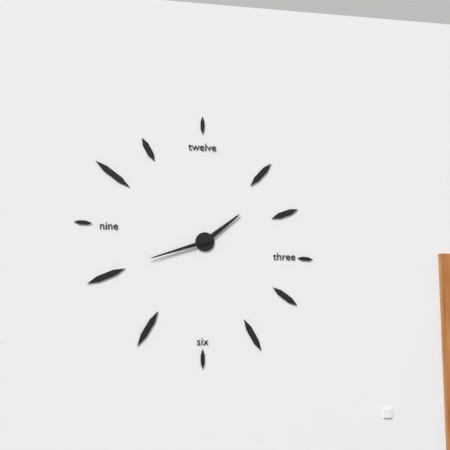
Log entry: **1:42**
